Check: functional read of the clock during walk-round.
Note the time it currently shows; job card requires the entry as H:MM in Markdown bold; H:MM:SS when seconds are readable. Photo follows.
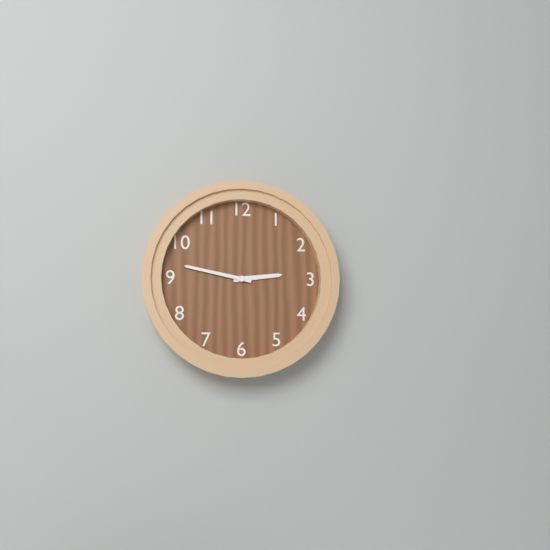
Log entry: **2:47**
